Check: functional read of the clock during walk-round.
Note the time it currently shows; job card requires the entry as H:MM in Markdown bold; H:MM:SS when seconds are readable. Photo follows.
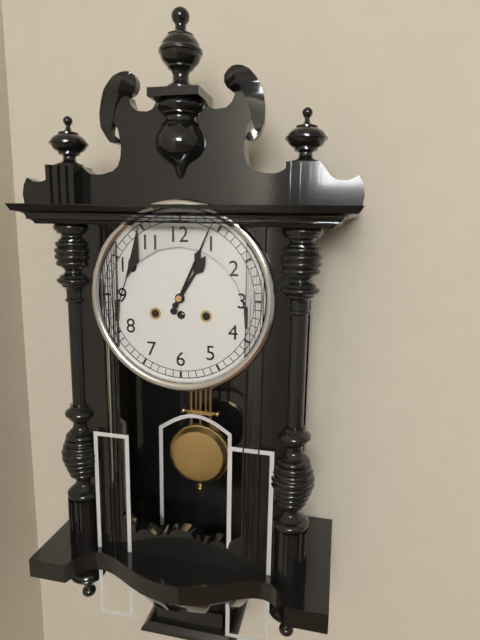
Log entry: **1:04**
